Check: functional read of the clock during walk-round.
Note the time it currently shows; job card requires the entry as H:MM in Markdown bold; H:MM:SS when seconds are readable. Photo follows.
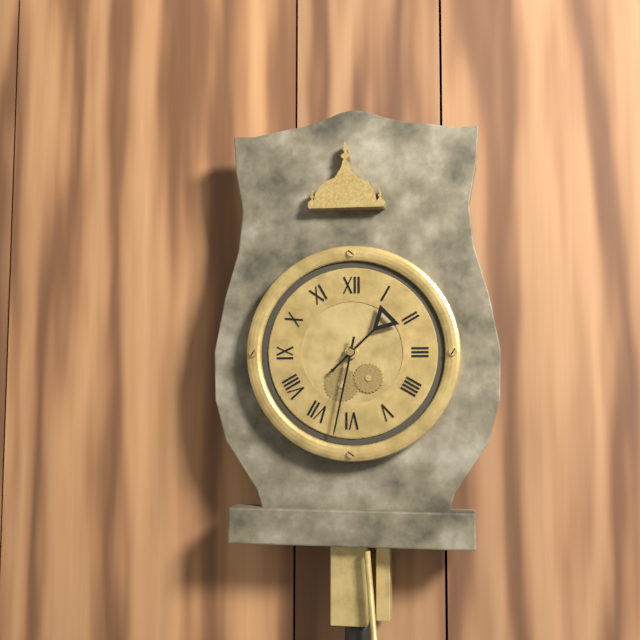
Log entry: **1:32**
